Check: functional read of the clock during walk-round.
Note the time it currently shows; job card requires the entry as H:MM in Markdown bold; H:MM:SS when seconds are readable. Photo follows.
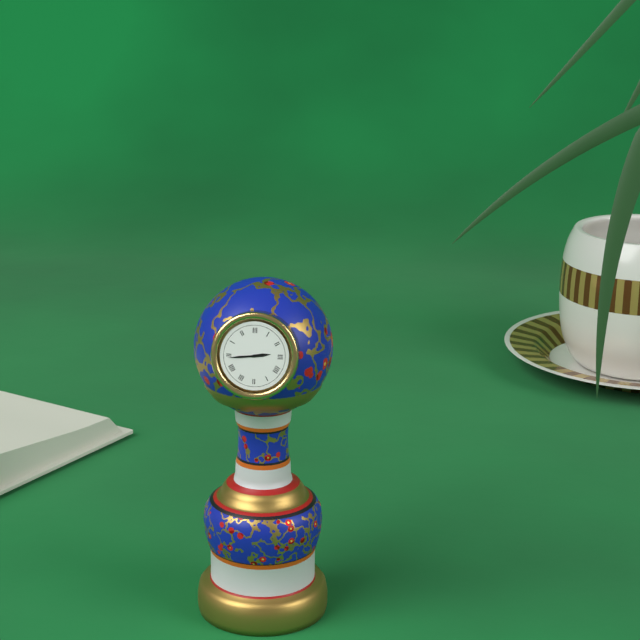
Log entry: **2:44**
